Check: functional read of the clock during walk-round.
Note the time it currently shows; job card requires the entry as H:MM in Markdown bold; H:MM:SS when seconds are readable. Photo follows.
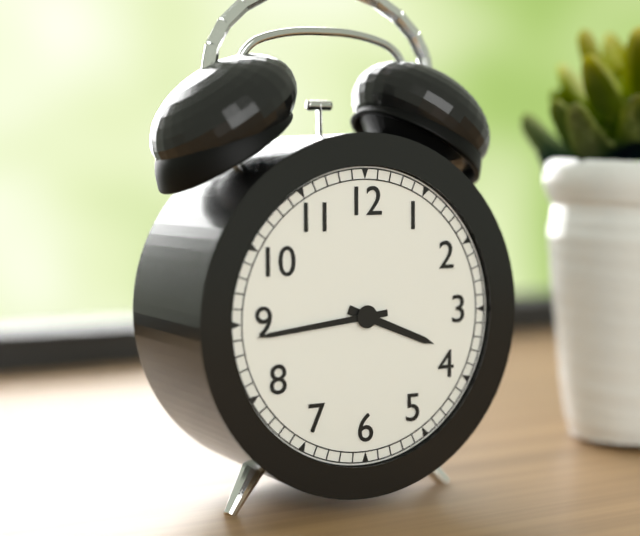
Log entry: **3:44**
